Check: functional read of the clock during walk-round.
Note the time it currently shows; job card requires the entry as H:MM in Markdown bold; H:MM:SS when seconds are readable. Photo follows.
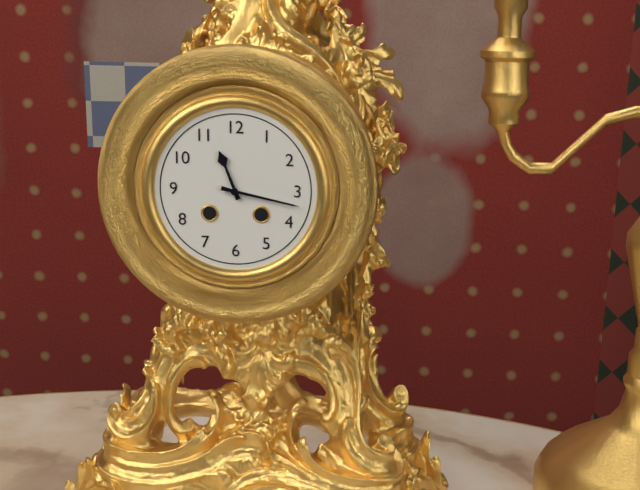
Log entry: **11:17**
